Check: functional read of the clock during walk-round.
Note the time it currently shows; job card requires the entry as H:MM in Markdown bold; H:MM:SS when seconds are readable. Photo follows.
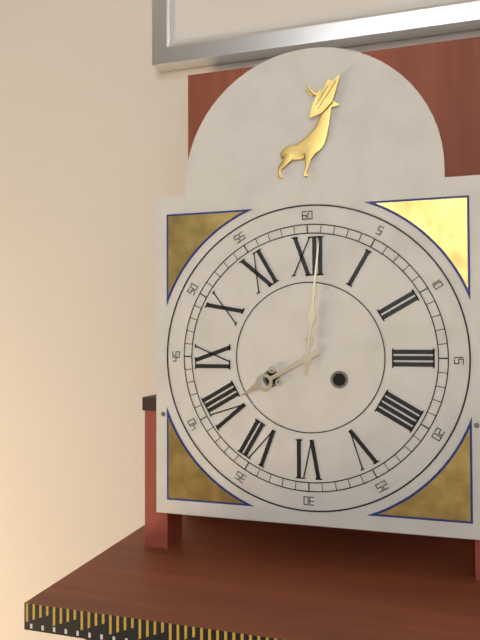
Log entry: **8:01**
